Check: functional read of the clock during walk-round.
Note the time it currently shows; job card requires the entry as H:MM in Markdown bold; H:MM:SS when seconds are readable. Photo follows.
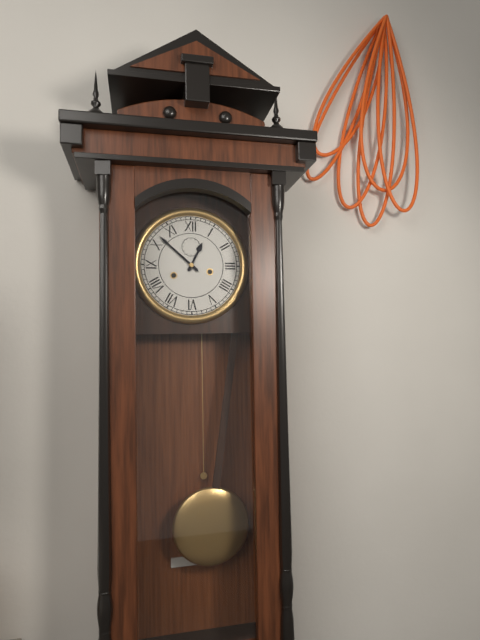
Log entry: **12:52**
